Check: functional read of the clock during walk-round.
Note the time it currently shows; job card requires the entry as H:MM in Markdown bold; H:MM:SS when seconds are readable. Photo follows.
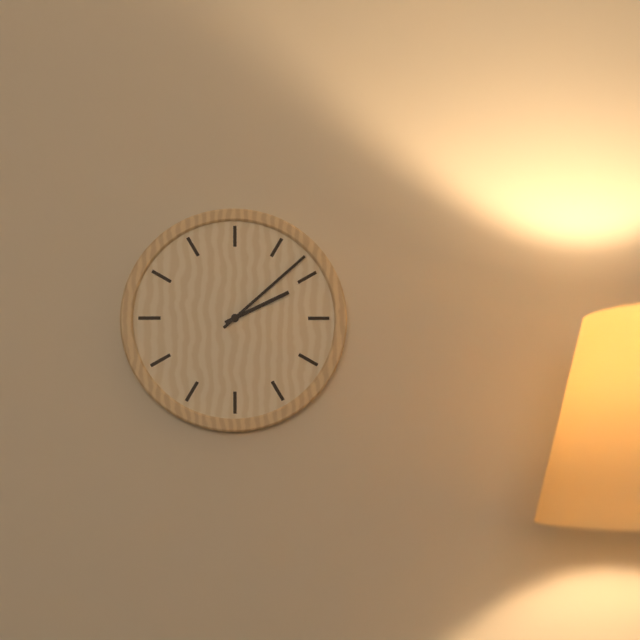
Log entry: **2:08**
